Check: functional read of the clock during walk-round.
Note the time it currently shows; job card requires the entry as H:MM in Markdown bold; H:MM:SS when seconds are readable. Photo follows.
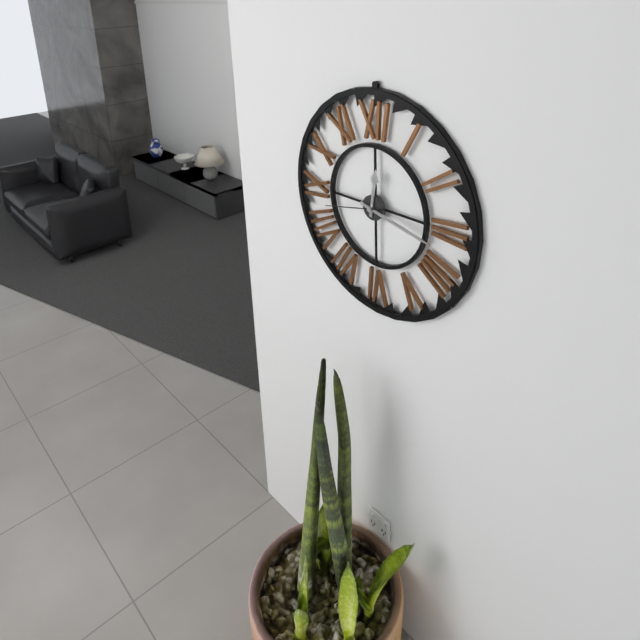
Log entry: **12:17:43**
